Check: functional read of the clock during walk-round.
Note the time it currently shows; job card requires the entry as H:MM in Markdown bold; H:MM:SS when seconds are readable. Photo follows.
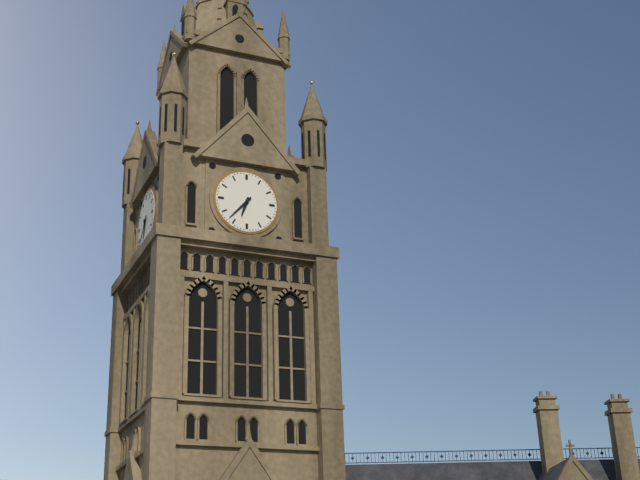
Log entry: **6:37**
